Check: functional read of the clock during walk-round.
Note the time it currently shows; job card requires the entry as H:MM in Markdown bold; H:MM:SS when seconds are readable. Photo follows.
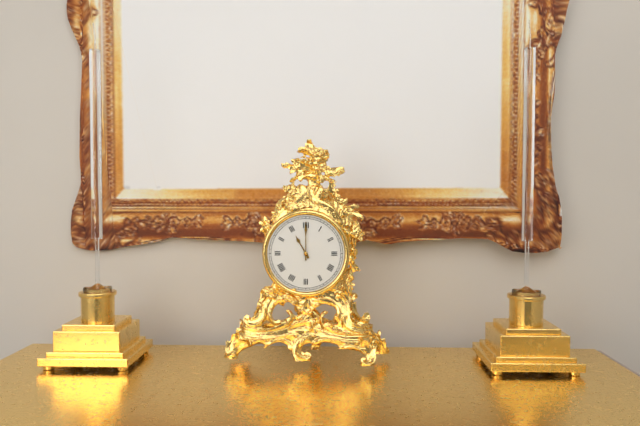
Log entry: **11:00**
